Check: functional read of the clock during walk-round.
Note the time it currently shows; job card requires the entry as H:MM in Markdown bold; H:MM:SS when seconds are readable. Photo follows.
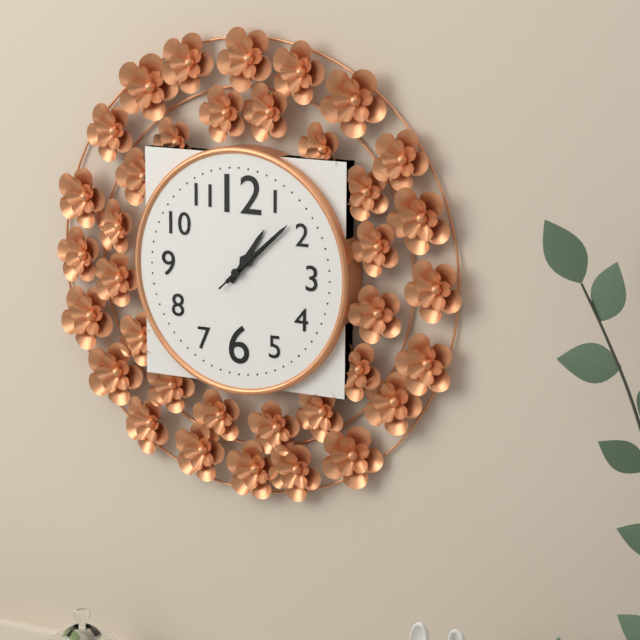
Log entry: **1:08:08**
